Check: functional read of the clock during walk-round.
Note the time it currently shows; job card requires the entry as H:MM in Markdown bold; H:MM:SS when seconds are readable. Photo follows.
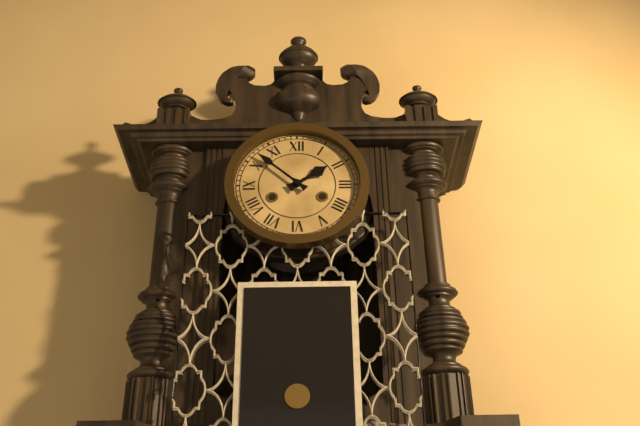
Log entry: **1:52**
